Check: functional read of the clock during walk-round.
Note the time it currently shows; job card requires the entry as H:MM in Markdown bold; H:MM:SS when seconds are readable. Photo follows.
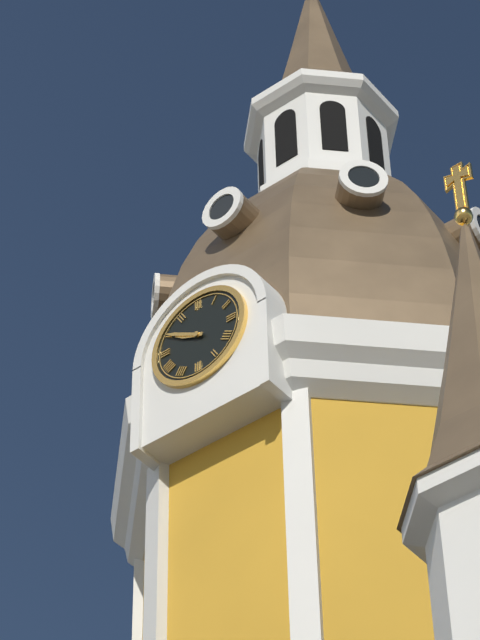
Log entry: **9:50**
